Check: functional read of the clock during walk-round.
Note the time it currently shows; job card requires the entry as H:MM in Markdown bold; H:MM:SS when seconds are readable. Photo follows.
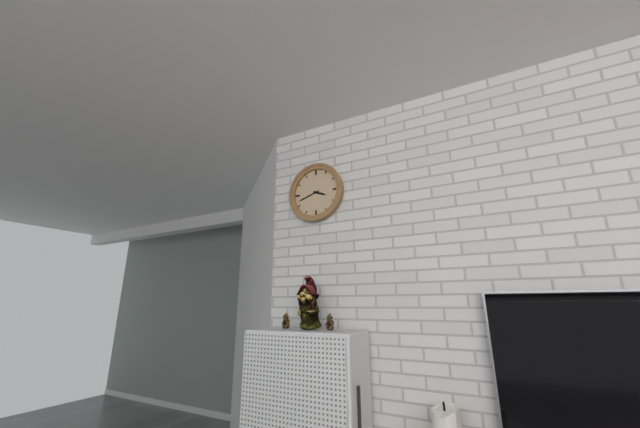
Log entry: **3:42**
